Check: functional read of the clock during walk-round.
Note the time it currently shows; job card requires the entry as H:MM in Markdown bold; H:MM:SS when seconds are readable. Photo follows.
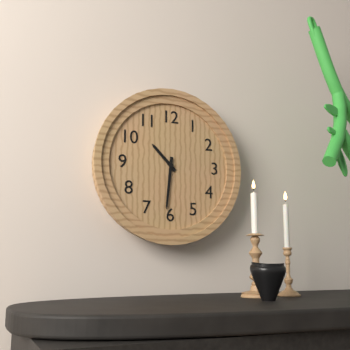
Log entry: **10:31**
